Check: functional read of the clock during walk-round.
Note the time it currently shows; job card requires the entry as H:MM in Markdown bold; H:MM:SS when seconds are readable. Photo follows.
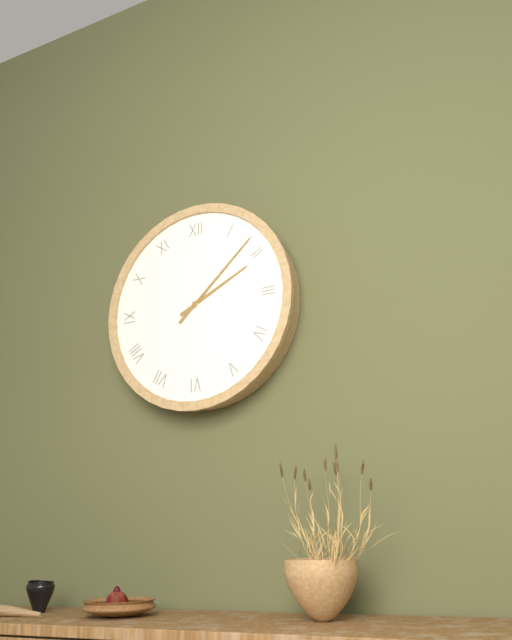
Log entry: **2:08**
